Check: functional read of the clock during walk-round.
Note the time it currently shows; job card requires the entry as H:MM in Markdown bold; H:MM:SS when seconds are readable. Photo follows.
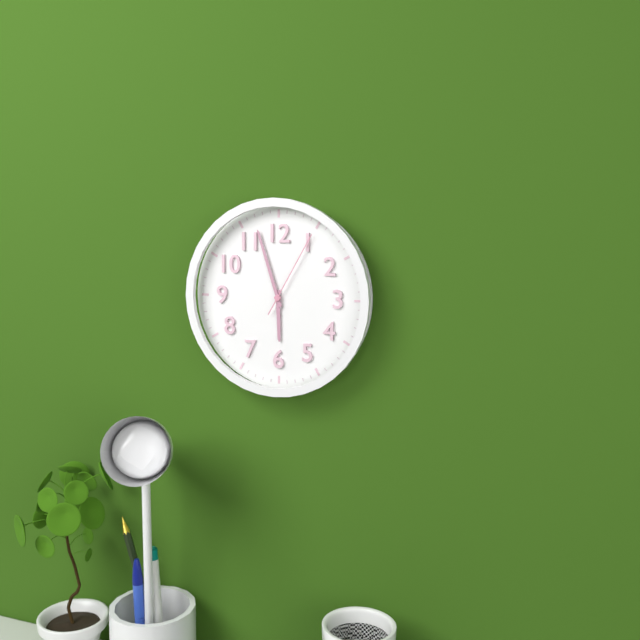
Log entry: **5:57:05**
